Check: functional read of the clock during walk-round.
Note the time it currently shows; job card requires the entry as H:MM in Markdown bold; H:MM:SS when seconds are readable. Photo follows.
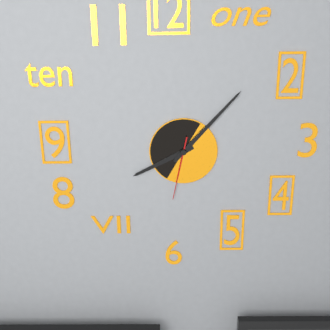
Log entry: **8:07:32**
